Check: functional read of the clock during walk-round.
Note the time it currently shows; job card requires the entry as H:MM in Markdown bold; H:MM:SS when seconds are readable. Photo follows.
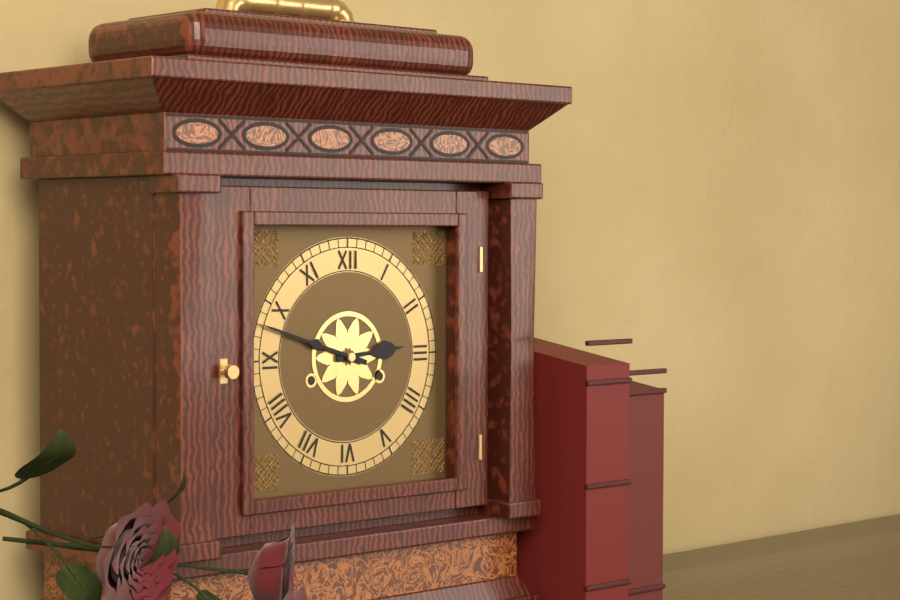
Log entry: **2:48**
